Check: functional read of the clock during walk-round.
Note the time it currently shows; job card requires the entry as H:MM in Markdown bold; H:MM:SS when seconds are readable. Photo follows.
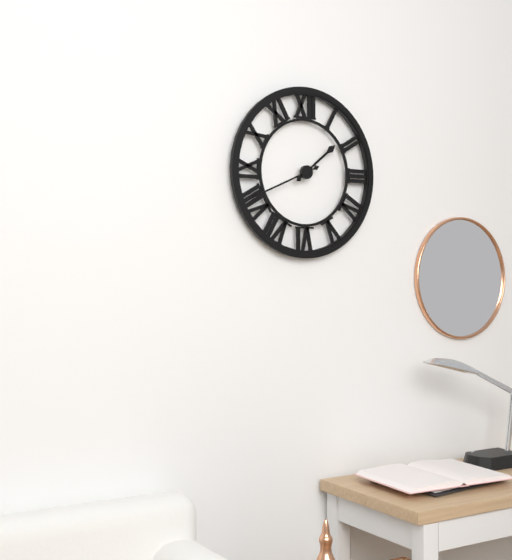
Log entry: **1:41**
